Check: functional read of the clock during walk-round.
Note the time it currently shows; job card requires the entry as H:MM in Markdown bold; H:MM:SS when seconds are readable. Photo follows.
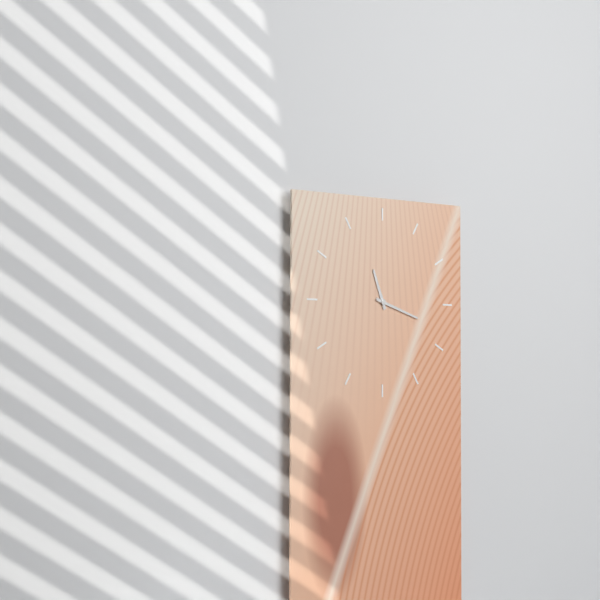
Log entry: **11:18**
